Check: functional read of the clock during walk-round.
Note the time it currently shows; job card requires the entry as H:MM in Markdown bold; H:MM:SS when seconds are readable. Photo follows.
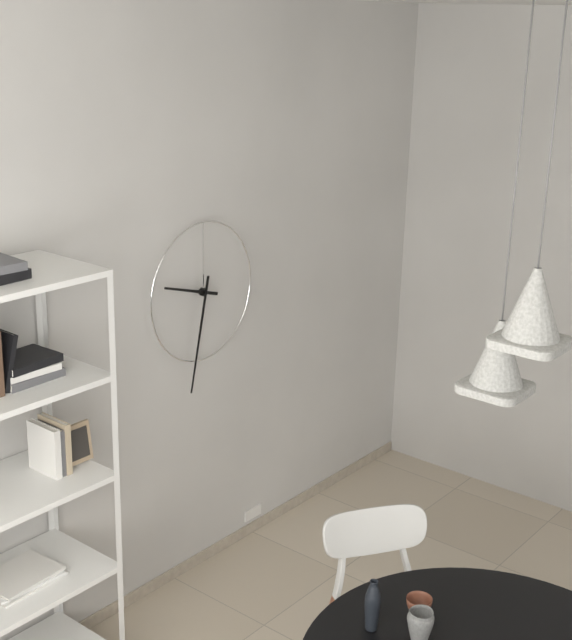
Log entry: **9:32**
